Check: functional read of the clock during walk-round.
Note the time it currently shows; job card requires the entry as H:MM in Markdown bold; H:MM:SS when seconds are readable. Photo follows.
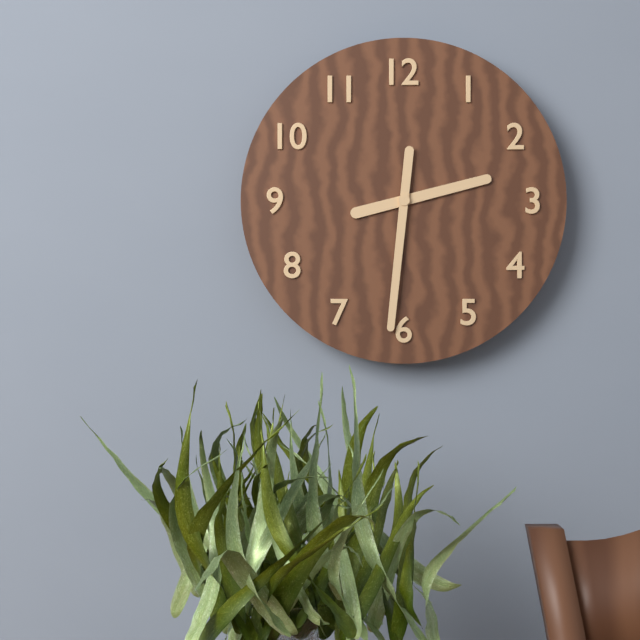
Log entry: **2:31**
